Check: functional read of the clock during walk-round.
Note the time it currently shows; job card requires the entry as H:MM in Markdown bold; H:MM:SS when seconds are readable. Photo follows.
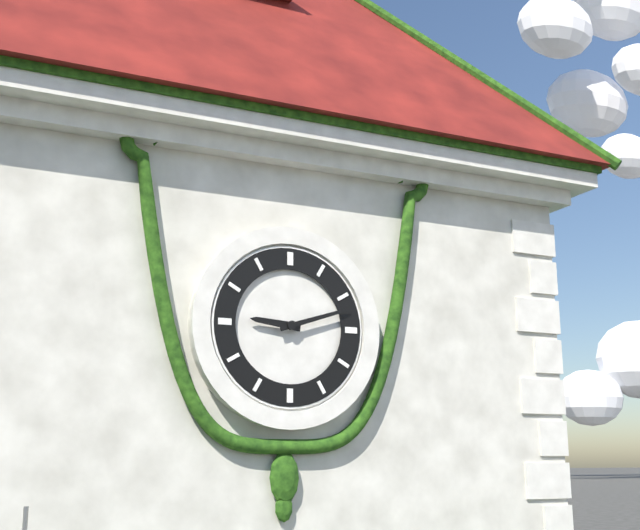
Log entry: **9:12**
